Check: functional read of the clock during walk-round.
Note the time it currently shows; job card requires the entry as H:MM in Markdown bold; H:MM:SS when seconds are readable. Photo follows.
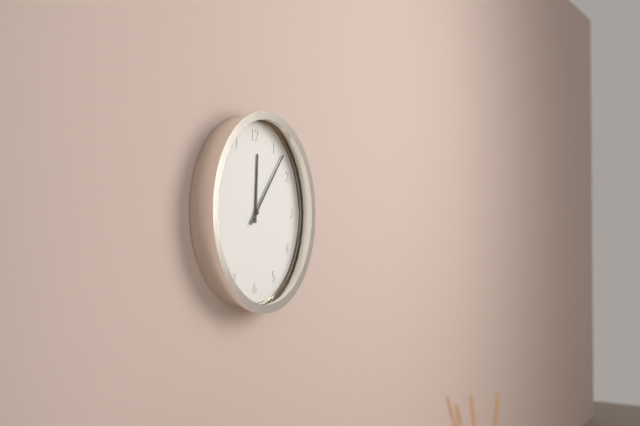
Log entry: **12:07**
